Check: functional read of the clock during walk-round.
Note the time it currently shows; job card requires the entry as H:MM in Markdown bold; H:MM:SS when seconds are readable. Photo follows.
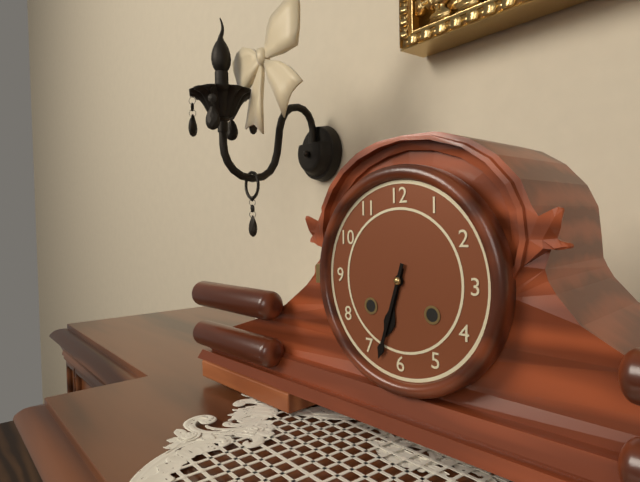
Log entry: **6:33**
